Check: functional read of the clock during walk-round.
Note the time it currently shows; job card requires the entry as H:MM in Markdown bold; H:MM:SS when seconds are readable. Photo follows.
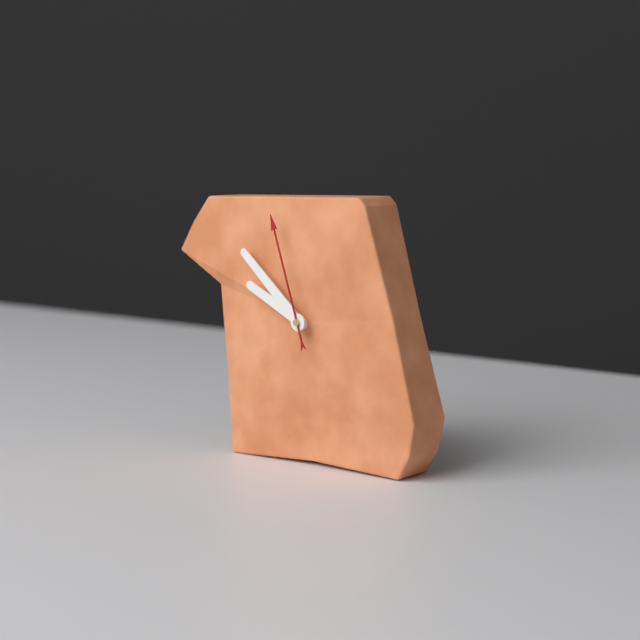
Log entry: **9:52:57**
